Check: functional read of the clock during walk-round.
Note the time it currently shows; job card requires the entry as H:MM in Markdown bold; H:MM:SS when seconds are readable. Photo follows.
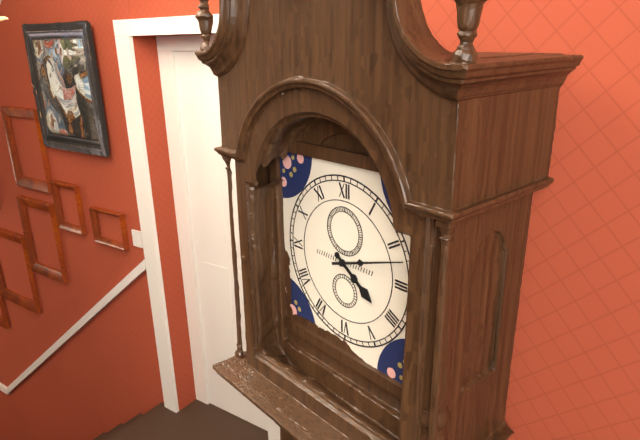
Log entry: **4:12**
